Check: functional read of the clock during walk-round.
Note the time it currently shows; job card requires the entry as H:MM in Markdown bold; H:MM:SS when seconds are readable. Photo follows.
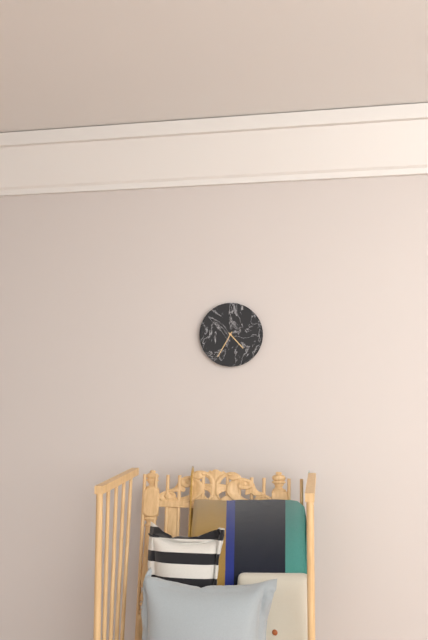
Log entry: **4:35**
